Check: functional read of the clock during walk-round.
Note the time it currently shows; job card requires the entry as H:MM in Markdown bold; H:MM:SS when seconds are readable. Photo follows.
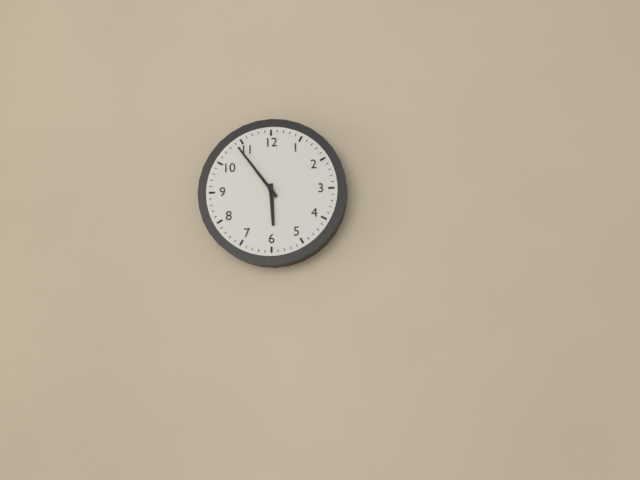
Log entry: **5:54**
